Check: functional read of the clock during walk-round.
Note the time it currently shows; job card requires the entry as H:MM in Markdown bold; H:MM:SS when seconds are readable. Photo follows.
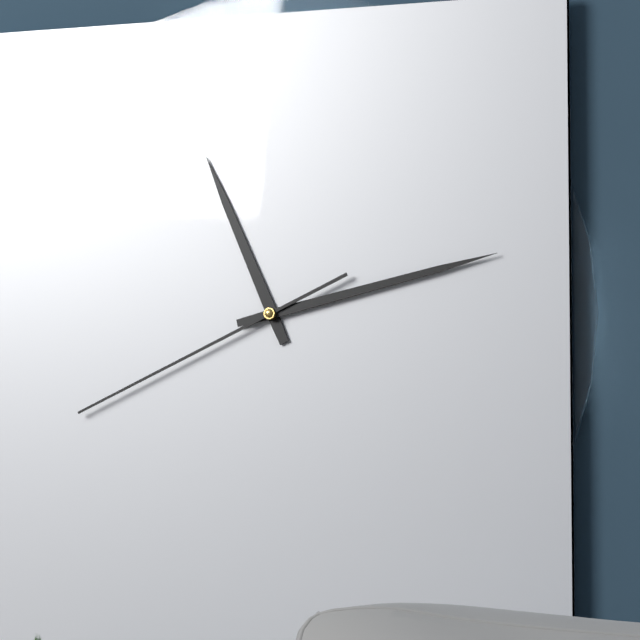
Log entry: **11:13:41**
